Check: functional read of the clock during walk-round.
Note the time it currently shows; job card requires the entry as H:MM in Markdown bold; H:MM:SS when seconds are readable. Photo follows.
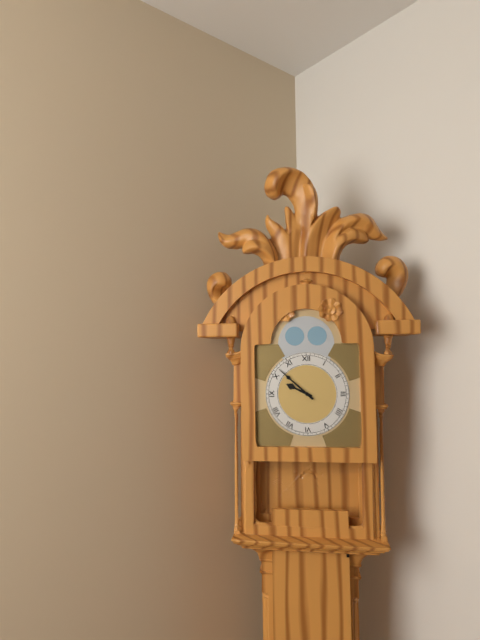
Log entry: **9:52**
